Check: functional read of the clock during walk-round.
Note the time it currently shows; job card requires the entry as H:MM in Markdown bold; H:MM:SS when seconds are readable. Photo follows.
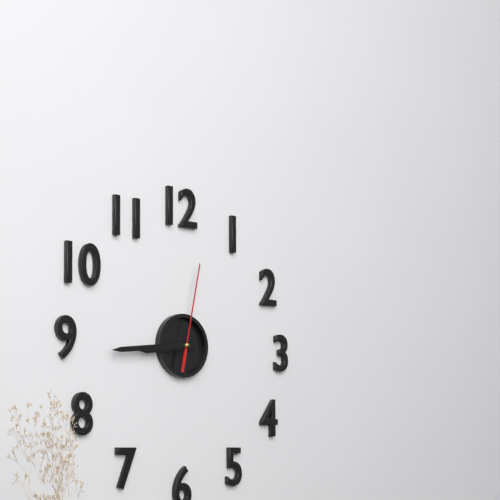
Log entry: **8:44:02**
